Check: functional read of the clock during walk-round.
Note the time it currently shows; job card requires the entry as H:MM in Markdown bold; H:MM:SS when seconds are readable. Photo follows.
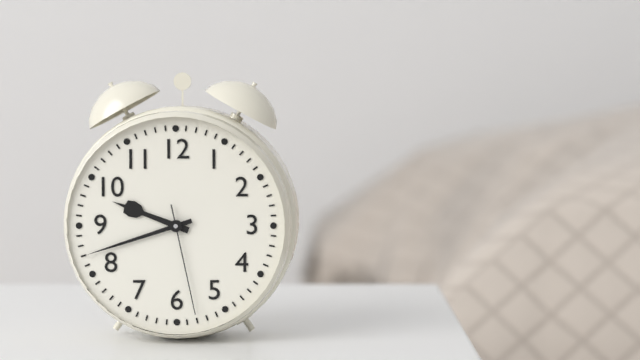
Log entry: **9:42:28**
